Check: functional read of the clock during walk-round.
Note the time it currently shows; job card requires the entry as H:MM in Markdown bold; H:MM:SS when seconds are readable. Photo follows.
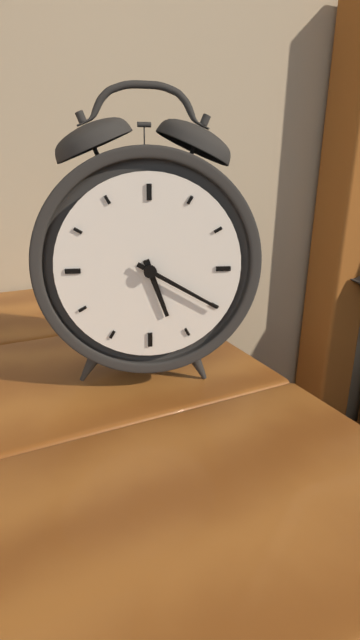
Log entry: **5:20**
